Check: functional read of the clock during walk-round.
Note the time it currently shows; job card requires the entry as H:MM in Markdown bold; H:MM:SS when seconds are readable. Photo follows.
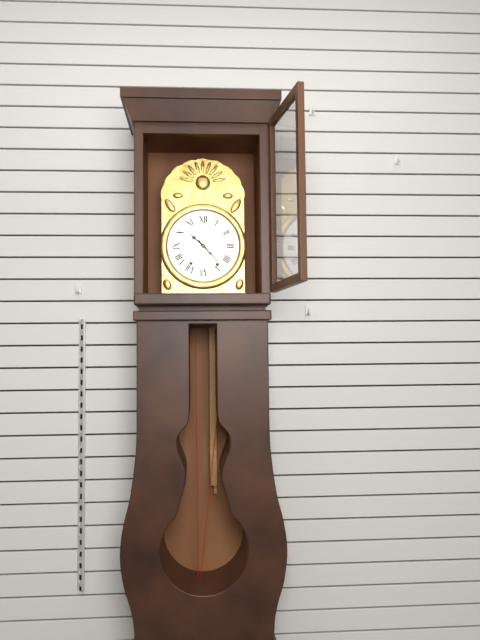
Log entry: **10:23**
